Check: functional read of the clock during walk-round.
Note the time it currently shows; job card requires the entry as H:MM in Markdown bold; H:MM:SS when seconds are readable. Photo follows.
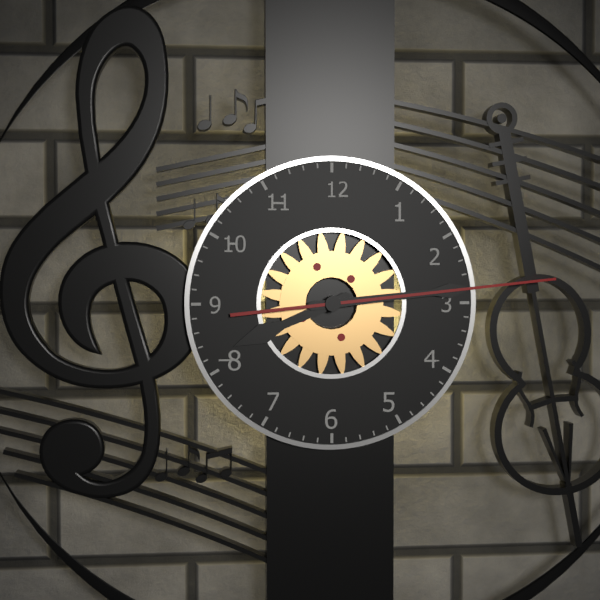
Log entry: **8:14:14**
